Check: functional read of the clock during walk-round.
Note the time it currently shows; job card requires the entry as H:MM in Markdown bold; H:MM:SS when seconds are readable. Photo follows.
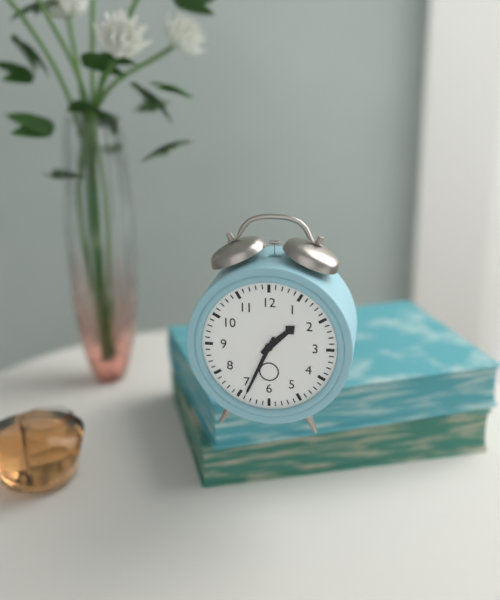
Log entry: **1:34**
